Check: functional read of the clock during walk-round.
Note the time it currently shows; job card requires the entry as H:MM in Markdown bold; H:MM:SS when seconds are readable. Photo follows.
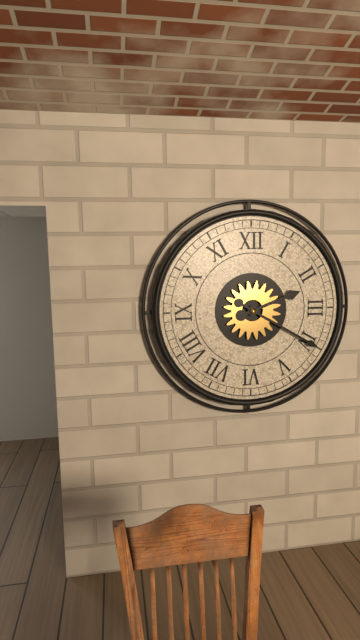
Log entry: **2:20**
